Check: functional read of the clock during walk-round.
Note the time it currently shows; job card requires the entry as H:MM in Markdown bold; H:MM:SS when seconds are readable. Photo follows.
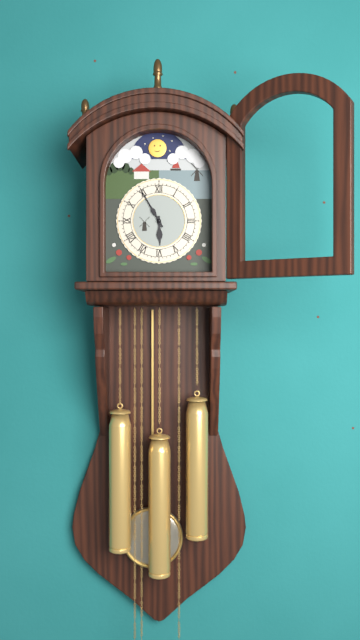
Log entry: **5:55**
